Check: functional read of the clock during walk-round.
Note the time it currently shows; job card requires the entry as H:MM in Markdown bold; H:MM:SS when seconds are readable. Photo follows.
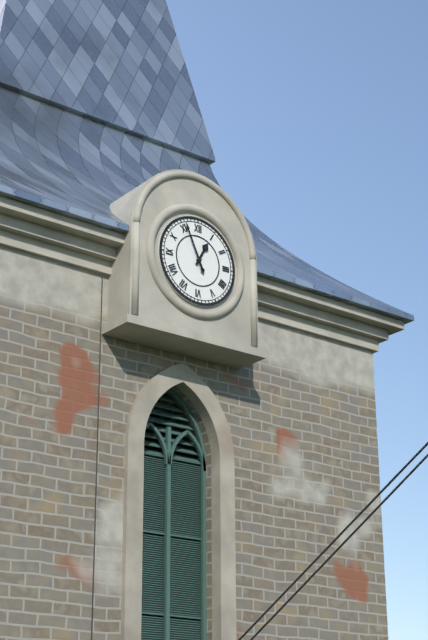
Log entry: **12:56**
